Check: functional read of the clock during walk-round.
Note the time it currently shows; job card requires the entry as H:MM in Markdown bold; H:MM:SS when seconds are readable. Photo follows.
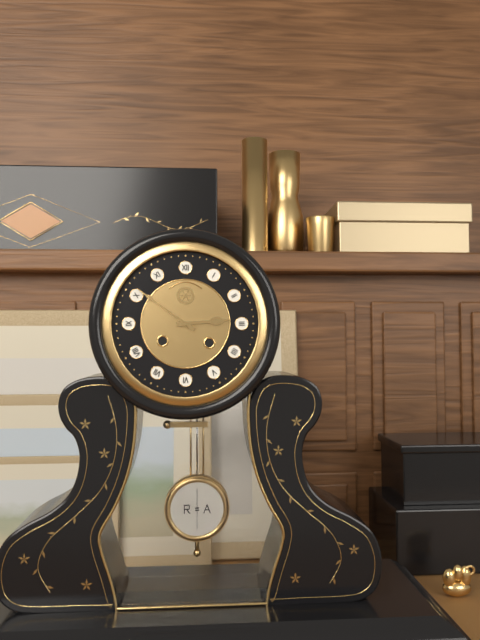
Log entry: **2:51**
